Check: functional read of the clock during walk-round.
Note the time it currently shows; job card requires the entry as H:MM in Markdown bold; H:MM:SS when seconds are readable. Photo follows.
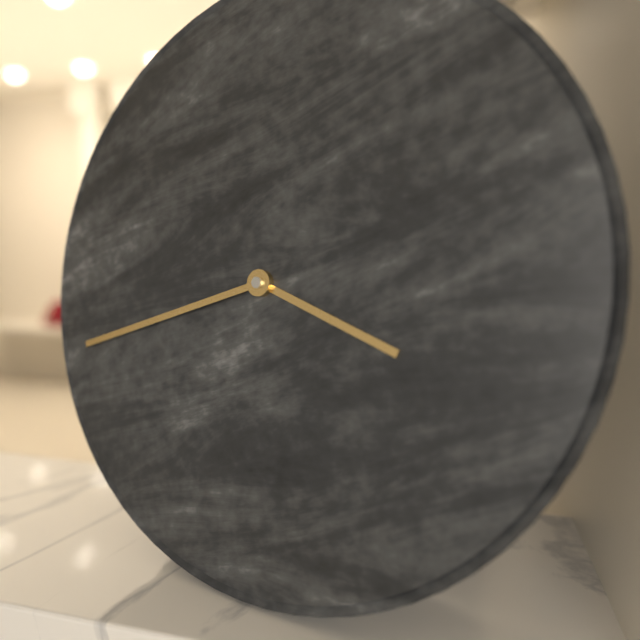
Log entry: **3:42**
